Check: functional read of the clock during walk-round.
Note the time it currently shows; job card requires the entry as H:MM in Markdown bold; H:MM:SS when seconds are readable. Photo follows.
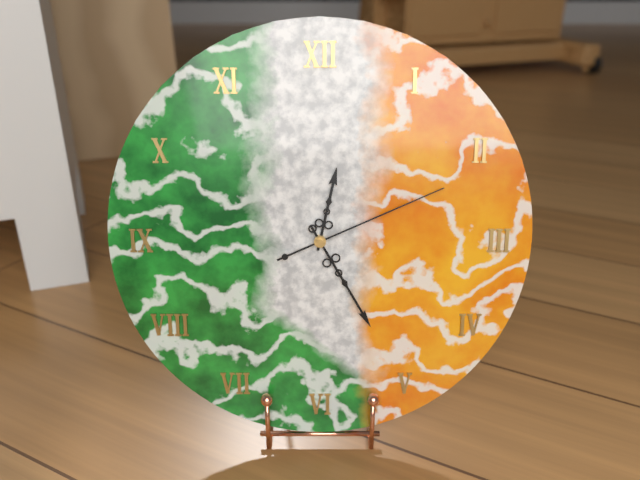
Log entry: **12:25:11**
